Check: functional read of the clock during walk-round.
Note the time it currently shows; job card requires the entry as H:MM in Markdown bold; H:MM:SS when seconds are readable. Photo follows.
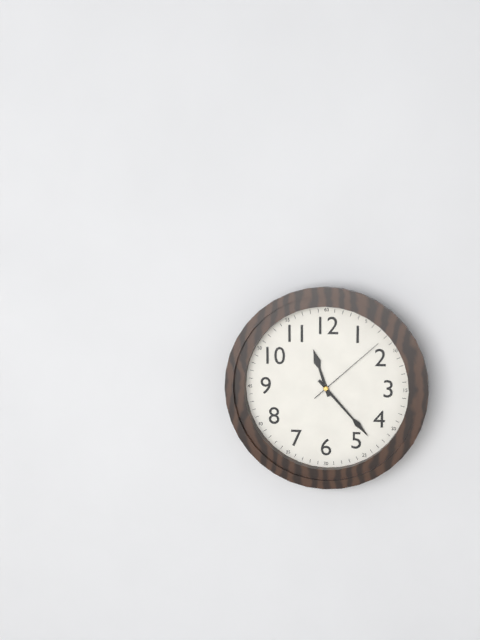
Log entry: **11:23:08**
